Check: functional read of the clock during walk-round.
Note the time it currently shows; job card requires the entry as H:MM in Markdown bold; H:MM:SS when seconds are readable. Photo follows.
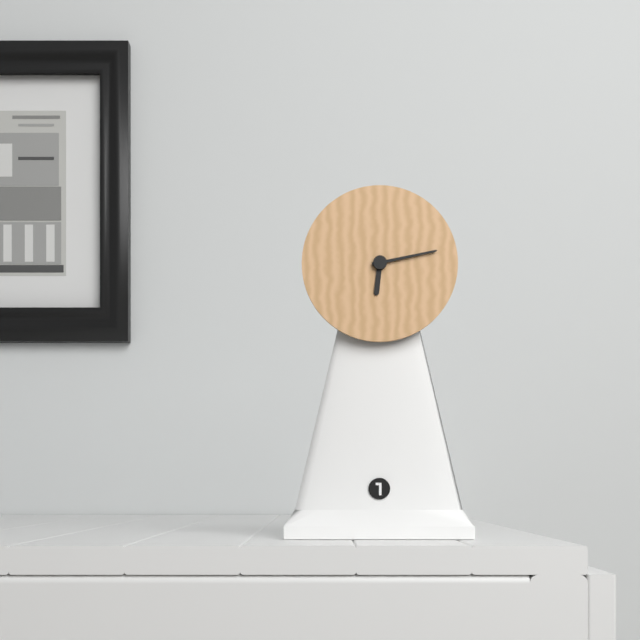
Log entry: **6:13**
